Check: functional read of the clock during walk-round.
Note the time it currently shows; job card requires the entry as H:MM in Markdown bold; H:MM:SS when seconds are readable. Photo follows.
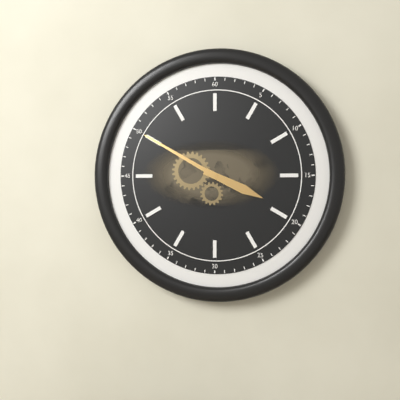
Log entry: **3:50**
